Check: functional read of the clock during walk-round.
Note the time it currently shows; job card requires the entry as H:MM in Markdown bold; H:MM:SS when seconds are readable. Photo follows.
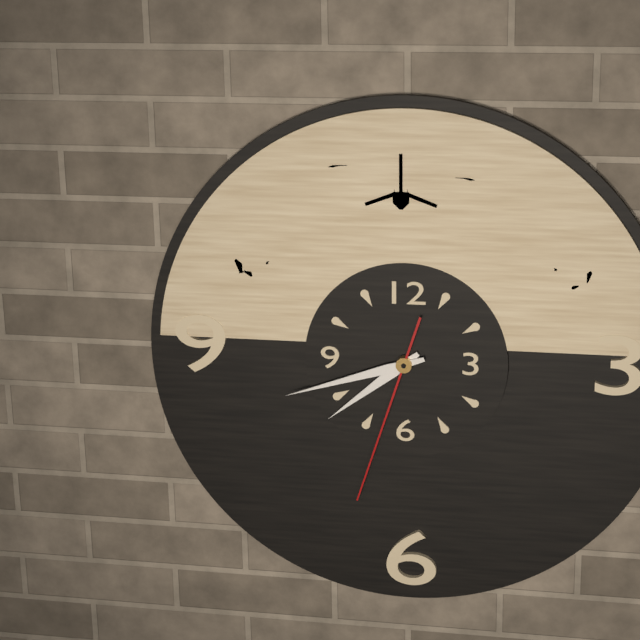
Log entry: **7:42:33**
